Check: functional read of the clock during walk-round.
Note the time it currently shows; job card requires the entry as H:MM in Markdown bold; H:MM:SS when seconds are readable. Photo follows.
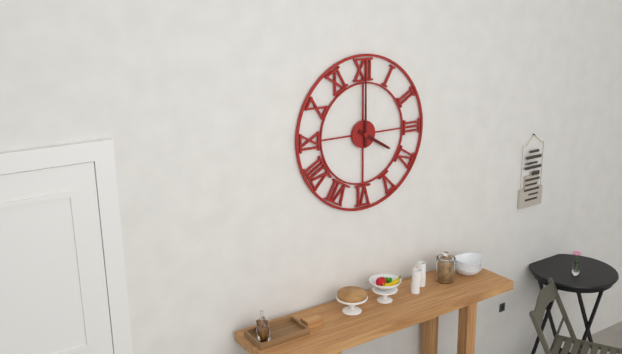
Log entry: **4:00**
